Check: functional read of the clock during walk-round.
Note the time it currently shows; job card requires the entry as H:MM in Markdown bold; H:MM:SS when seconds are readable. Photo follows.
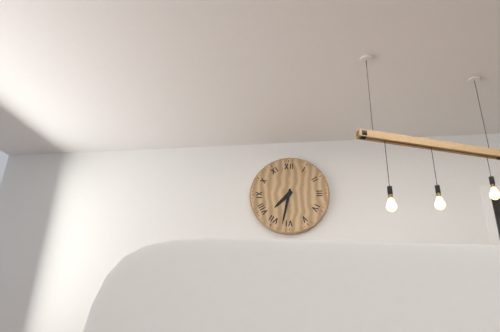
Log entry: **7:32**
